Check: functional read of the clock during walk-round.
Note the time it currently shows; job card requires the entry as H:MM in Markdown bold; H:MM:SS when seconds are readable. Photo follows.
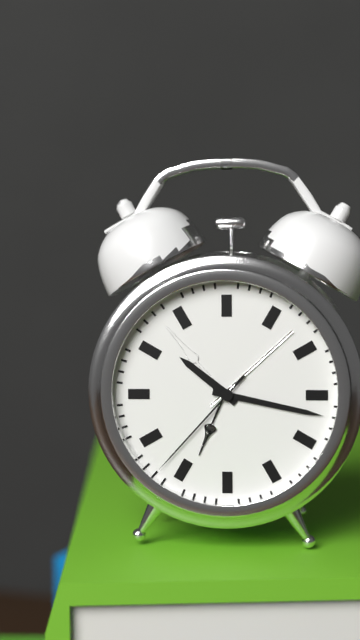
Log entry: **10:17:37**
